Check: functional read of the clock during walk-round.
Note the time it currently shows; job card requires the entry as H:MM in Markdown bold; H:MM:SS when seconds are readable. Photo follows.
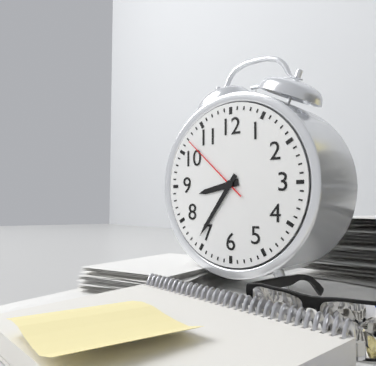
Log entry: **8:36:52**
